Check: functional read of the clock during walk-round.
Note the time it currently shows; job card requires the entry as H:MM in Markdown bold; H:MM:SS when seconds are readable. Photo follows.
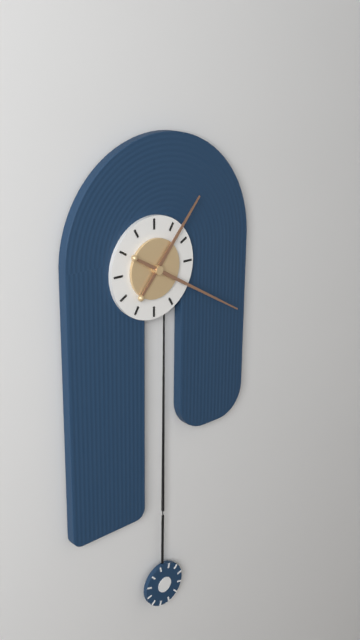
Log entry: **1:20**
